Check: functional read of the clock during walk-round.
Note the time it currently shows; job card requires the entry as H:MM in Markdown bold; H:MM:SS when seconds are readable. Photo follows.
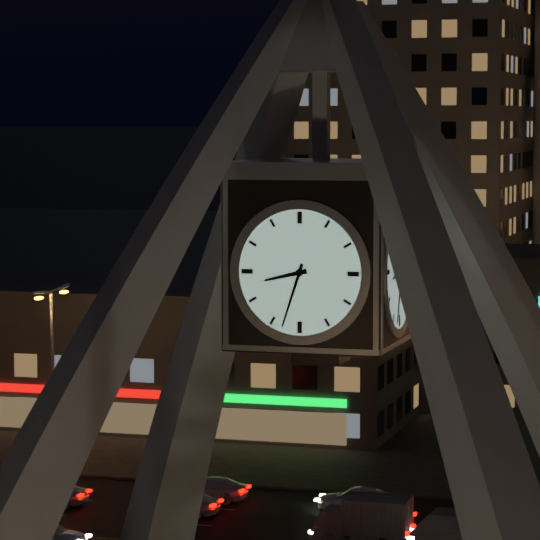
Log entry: **8:33**
